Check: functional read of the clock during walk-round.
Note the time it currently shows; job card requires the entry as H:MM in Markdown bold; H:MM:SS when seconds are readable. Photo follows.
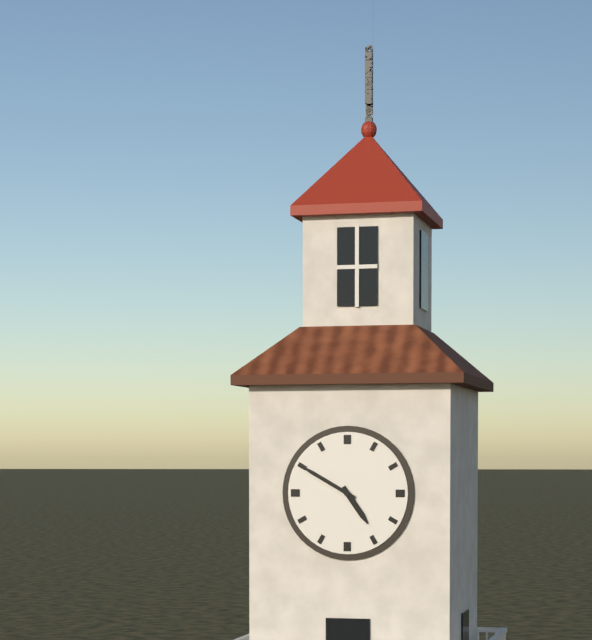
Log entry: **4:50**
